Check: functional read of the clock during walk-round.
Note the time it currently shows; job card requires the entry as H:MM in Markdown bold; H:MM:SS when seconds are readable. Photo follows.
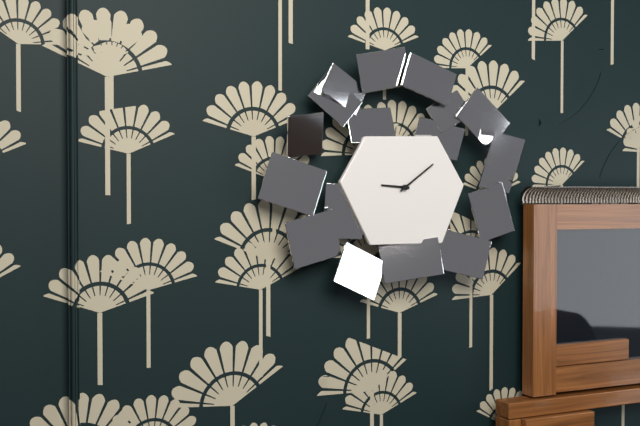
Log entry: **9:09**
